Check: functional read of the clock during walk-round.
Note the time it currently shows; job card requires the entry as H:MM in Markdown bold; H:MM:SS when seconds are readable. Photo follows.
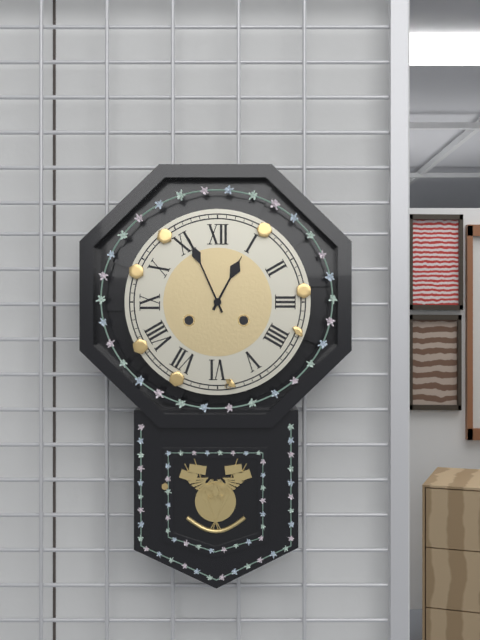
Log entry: **12:56**
